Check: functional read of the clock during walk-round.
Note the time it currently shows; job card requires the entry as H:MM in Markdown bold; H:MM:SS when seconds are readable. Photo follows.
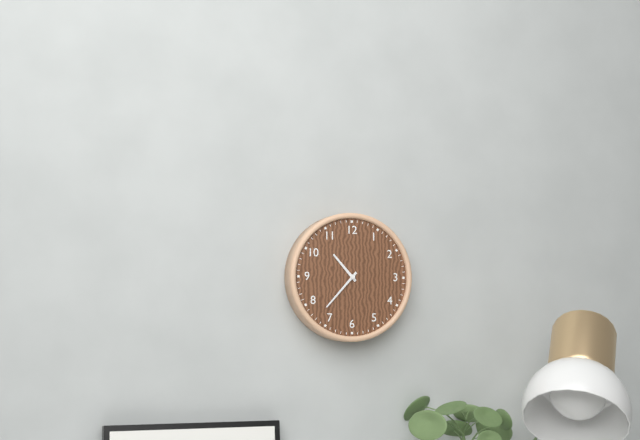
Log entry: **10:37**
